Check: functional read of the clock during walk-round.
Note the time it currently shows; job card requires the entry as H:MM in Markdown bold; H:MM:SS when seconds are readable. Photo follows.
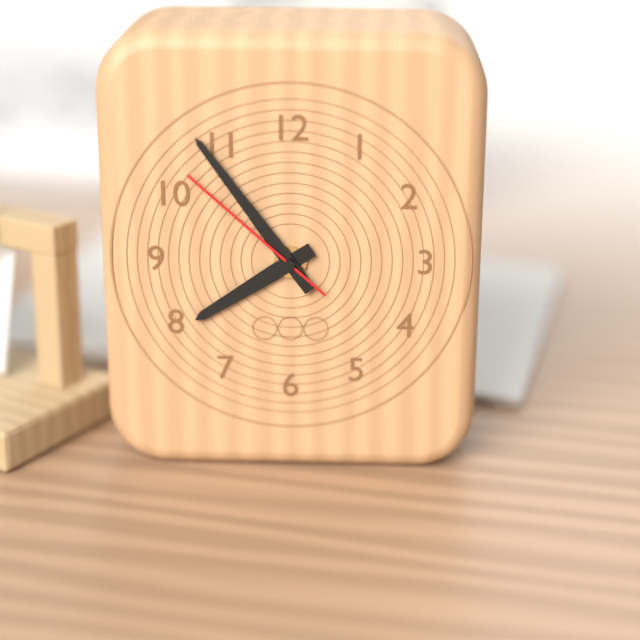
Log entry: **7:54:52**
